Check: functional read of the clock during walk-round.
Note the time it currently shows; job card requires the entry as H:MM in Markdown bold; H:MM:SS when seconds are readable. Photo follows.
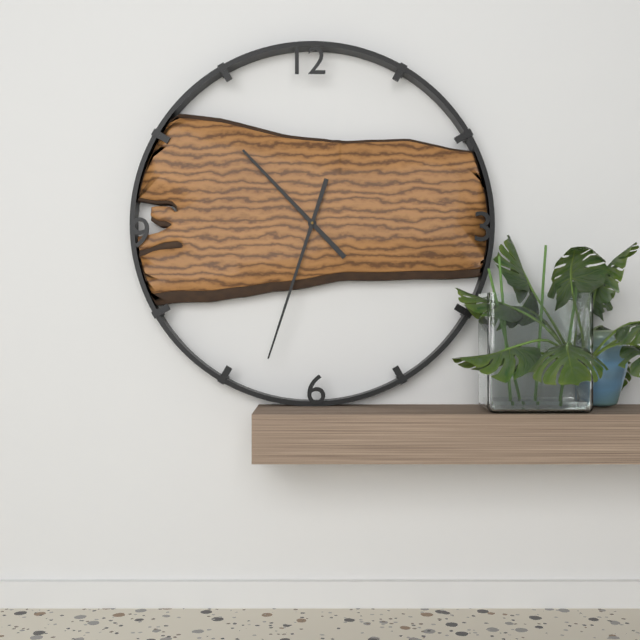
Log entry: **10:33**
